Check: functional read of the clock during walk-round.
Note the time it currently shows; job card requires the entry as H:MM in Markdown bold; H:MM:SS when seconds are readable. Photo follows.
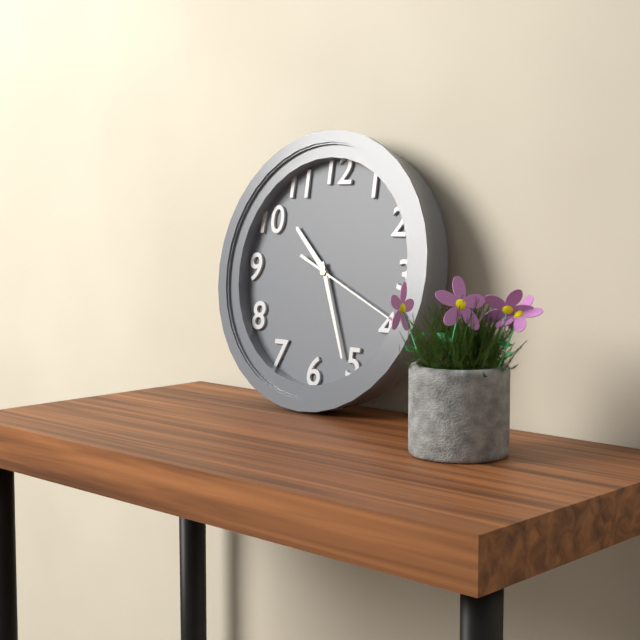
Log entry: **10:26:19**
